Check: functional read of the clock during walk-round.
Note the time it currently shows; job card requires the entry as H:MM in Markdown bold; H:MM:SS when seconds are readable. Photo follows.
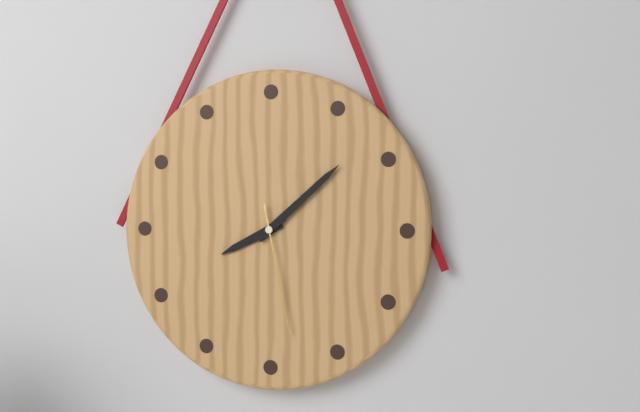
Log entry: **8:08:28**
